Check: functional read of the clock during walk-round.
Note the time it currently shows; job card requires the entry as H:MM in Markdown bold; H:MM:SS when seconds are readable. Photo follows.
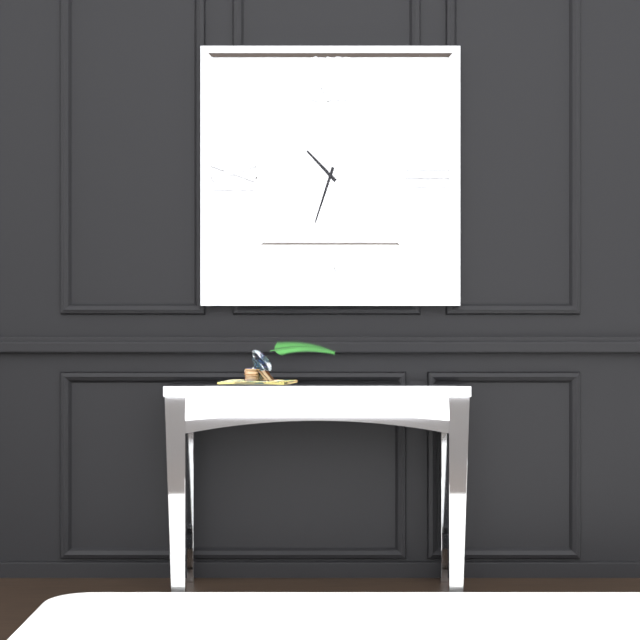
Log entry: **10:33**
